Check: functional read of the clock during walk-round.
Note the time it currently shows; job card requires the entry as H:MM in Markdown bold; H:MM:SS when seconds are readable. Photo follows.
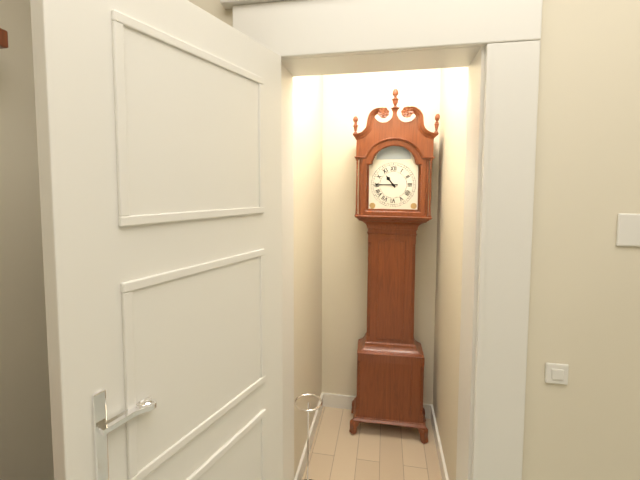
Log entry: **10:45**
